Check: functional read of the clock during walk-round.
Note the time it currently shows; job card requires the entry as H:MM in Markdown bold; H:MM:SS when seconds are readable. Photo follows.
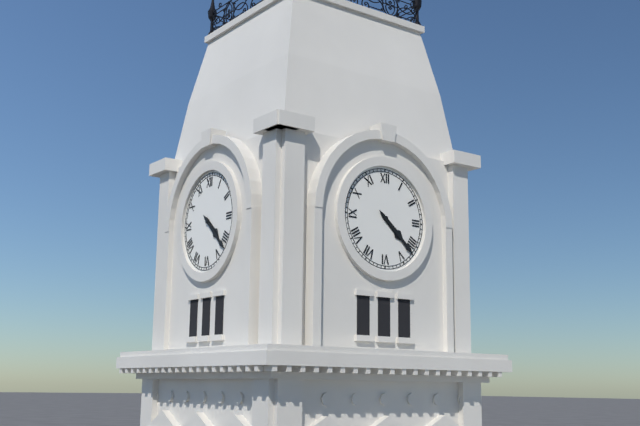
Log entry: **4:22**
